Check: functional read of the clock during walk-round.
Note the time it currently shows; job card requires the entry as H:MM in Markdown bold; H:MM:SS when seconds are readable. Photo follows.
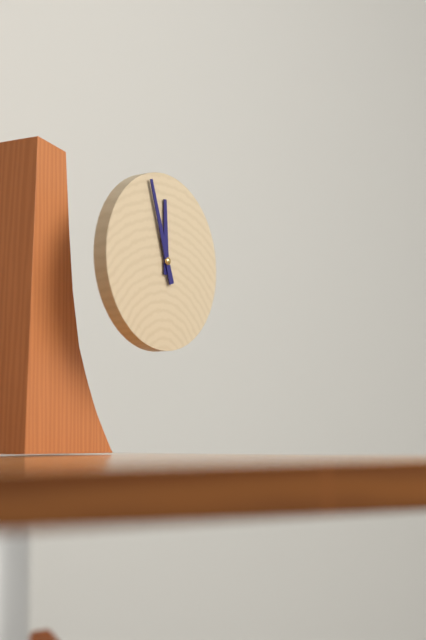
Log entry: **11:57**
